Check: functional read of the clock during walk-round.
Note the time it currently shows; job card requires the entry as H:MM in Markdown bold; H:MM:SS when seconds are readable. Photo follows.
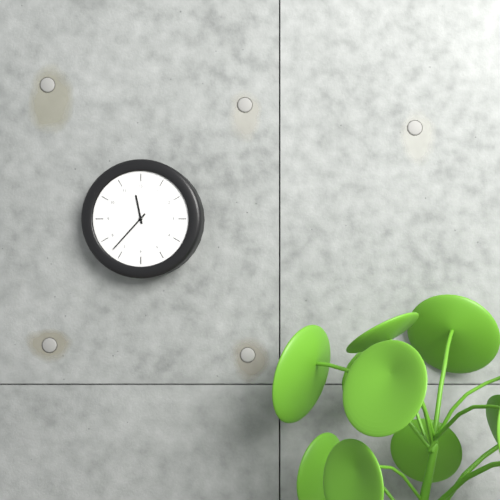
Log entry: **11:37**
